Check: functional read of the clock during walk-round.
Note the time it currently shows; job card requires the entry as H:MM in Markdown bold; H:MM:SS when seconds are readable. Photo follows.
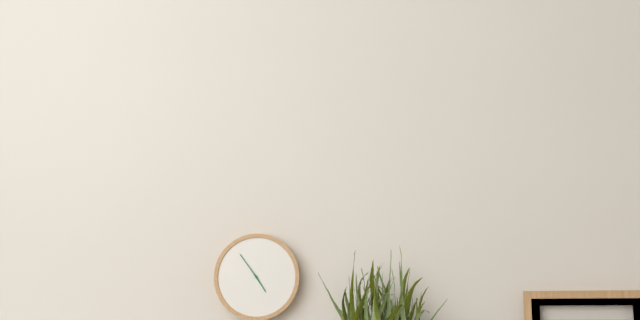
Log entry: **4:54**
